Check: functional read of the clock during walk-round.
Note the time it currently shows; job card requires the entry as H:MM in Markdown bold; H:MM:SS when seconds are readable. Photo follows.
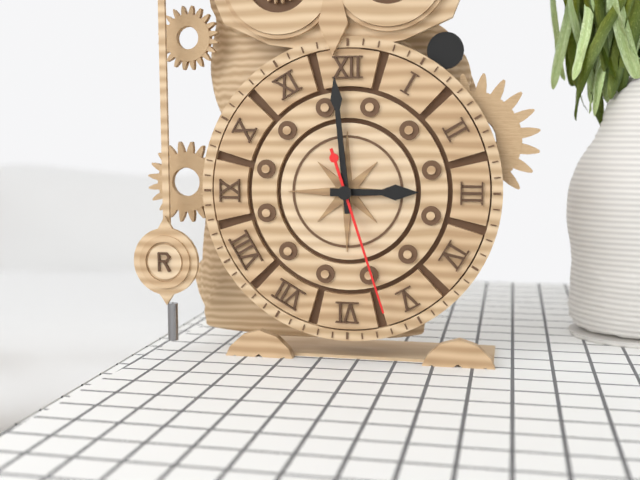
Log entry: **2:59:27**
